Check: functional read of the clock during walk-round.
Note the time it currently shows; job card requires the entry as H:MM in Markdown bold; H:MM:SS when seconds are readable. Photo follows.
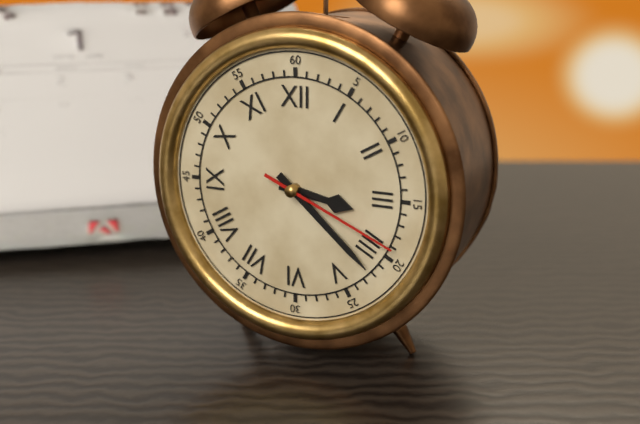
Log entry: **3:22:19**
